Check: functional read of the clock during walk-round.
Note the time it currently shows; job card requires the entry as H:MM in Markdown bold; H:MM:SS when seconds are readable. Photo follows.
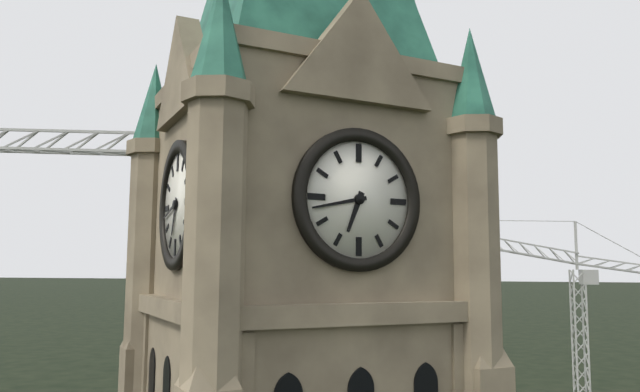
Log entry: **6:43**
